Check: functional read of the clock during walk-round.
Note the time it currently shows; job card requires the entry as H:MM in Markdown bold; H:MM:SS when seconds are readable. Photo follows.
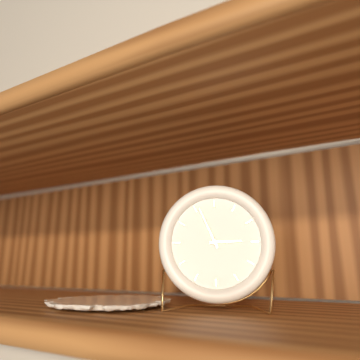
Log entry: **2:56**
